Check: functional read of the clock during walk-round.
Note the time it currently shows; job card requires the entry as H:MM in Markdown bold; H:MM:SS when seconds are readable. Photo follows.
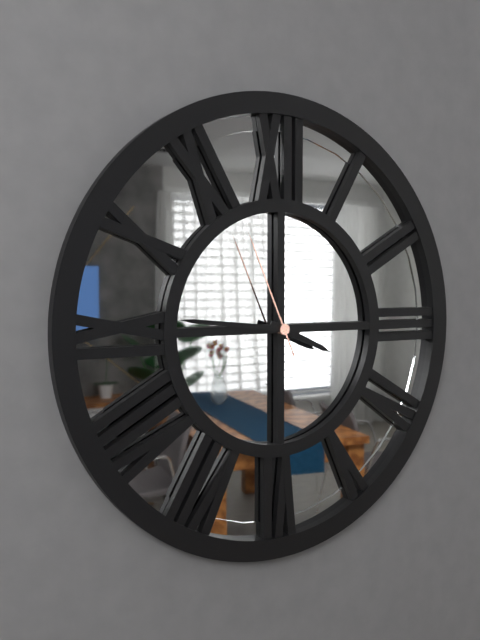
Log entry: **3:46:56**
